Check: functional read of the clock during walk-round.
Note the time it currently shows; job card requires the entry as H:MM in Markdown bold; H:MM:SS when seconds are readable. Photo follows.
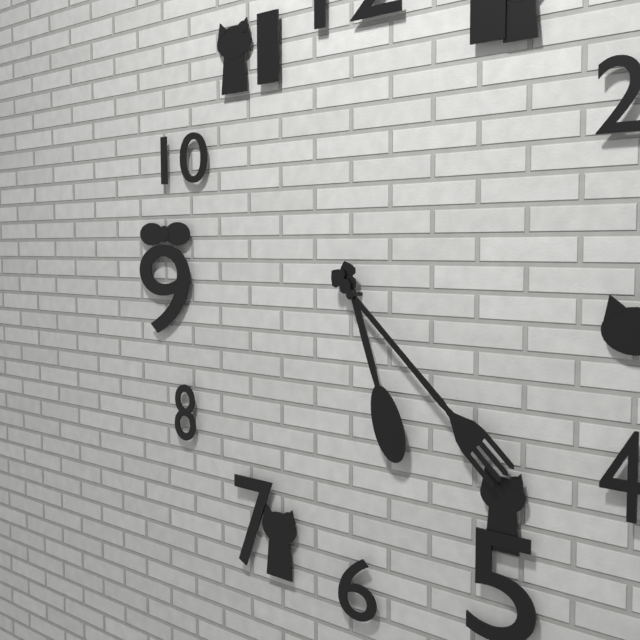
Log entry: **5:22**
